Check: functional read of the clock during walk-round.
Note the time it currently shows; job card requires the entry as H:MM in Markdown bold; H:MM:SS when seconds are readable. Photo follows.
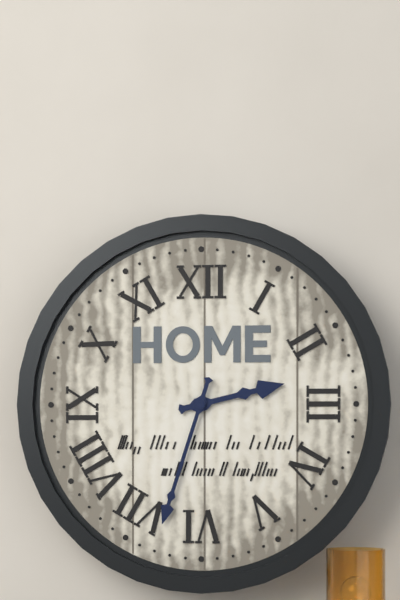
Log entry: **2:33**
